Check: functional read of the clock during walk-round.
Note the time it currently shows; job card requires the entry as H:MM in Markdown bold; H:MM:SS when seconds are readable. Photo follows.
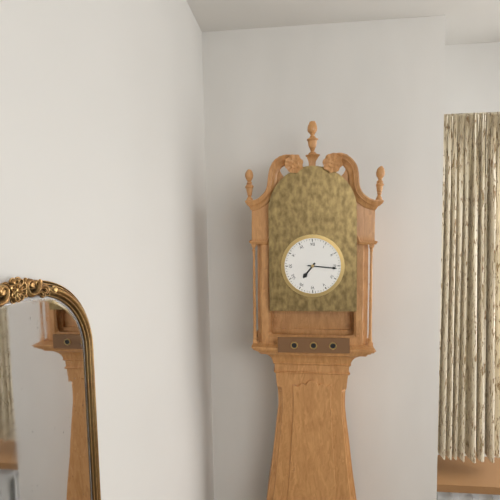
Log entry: **7:16**
